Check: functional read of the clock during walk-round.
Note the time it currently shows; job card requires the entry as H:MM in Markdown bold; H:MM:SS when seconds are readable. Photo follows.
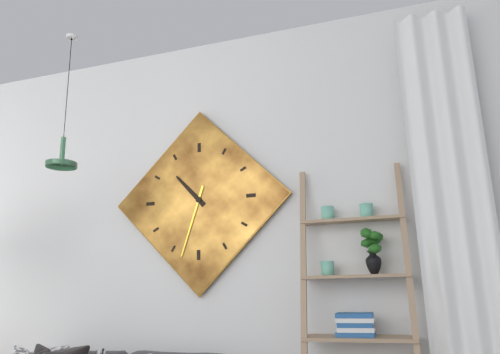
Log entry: **10:33**
